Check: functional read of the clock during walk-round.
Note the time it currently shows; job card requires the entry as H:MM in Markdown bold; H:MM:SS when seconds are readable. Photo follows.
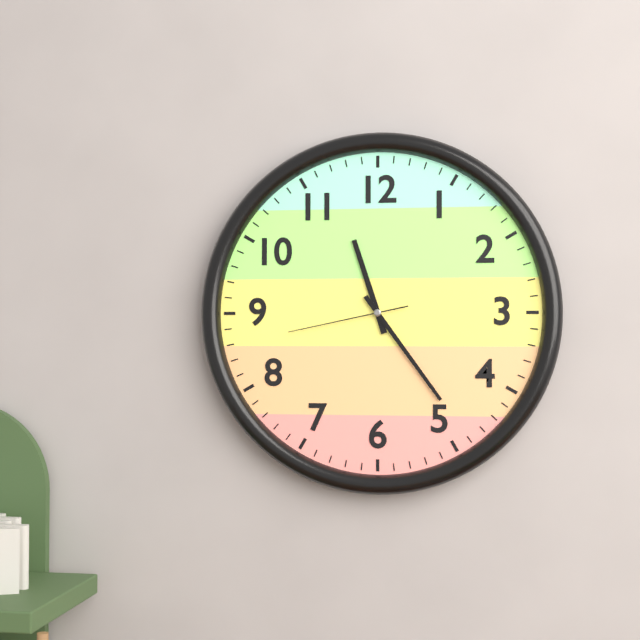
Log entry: **11:24:43**
